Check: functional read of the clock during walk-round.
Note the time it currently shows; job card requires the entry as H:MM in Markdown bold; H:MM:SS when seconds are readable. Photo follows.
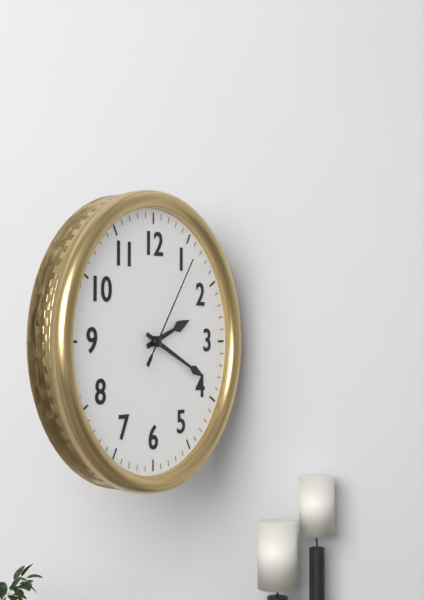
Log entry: **2:19:06**
